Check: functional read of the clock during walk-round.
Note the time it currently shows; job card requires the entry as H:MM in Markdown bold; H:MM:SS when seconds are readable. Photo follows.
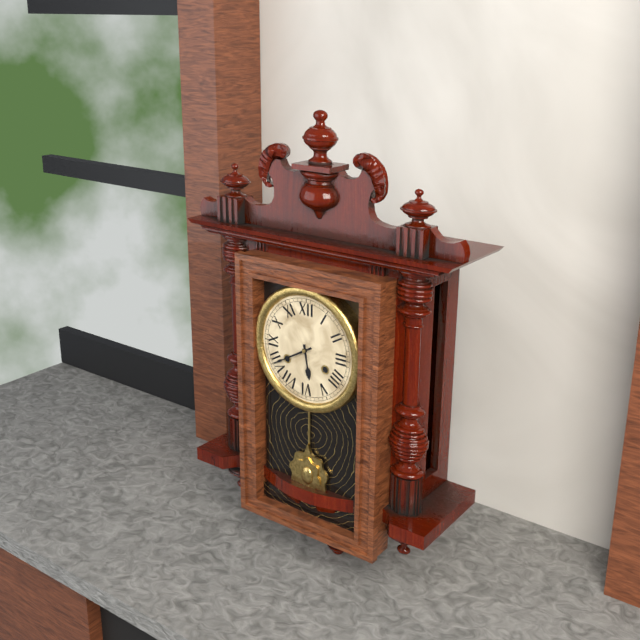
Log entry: **5:40**
